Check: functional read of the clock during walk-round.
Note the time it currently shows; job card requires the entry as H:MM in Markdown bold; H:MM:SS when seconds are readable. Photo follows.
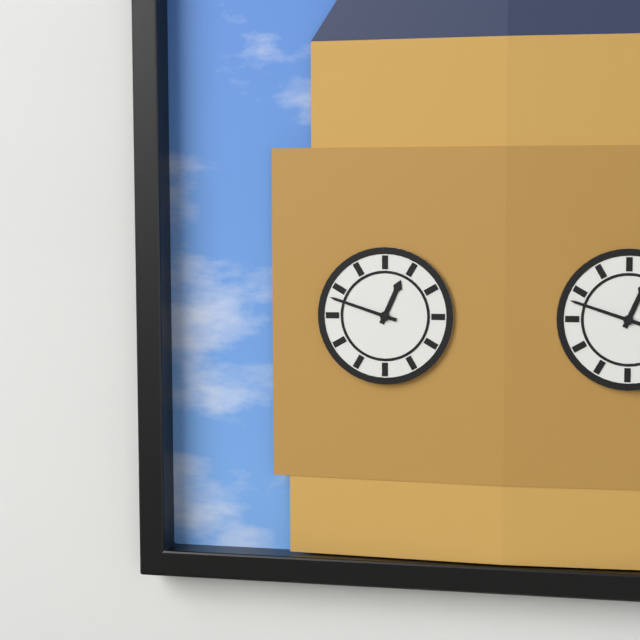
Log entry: **12:48**
